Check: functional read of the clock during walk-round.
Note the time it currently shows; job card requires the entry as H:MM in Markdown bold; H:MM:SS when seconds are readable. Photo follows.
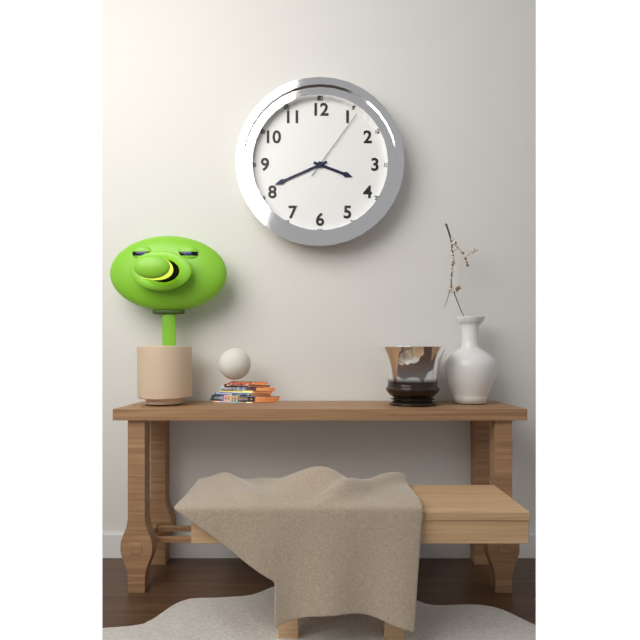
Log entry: **3:41:06**
